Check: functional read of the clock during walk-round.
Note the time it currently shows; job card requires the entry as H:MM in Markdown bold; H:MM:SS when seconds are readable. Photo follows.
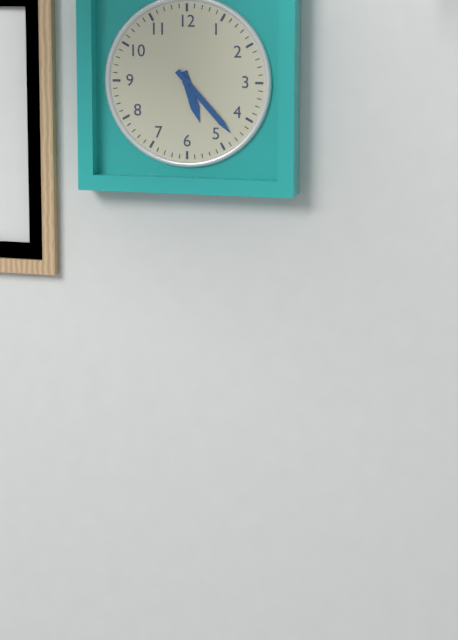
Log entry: **5:23**
